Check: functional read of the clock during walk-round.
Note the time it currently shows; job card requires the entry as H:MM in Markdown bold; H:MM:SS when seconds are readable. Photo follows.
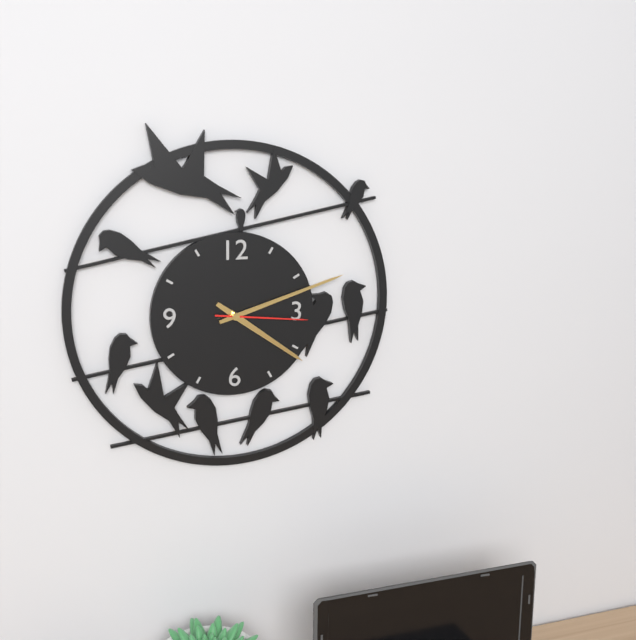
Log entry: **4:12:16**
